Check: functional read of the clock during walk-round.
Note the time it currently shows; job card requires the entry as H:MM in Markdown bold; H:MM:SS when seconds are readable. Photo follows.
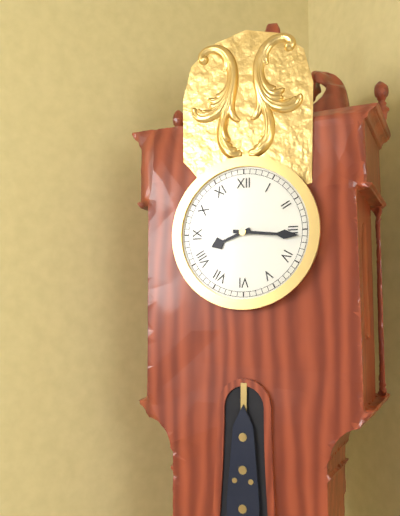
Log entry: **8:16**
